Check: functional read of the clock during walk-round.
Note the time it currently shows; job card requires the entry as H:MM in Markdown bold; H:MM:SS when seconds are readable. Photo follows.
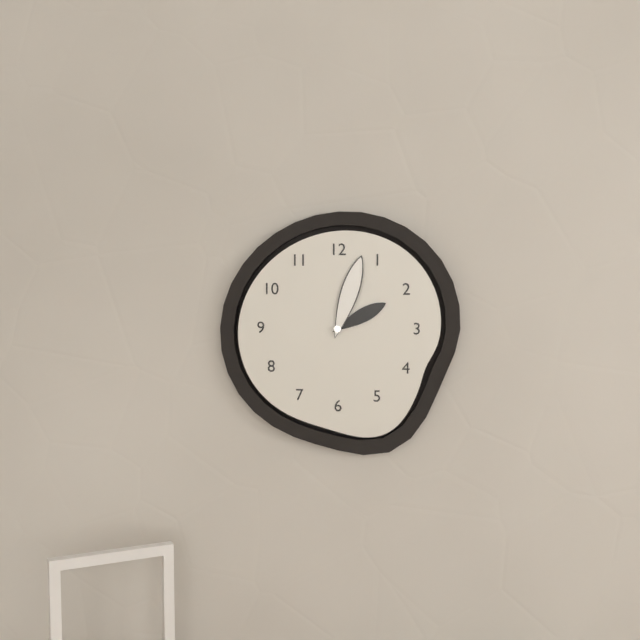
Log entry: **2:03**
